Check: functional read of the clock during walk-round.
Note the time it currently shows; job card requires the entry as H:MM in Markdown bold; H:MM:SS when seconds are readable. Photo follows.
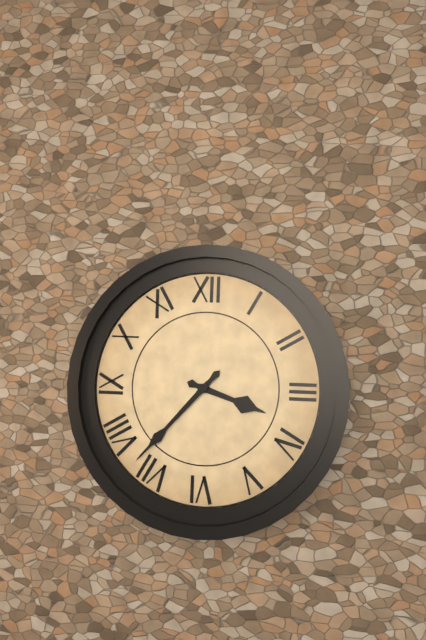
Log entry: **3:37**
